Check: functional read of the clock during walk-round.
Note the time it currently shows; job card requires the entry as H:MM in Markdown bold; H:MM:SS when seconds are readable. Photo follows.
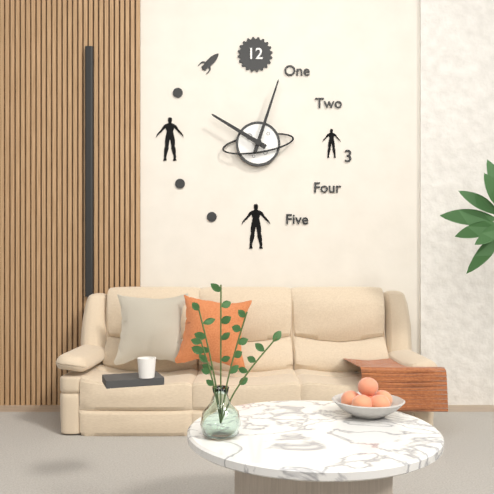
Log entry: **10:03**
